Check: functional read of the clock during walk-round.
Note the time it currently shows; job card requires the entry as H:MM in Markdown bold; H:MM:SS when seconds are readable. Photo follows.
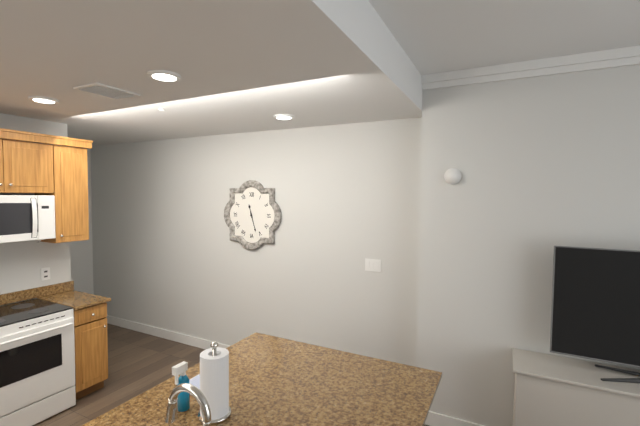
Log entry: **11:27**
